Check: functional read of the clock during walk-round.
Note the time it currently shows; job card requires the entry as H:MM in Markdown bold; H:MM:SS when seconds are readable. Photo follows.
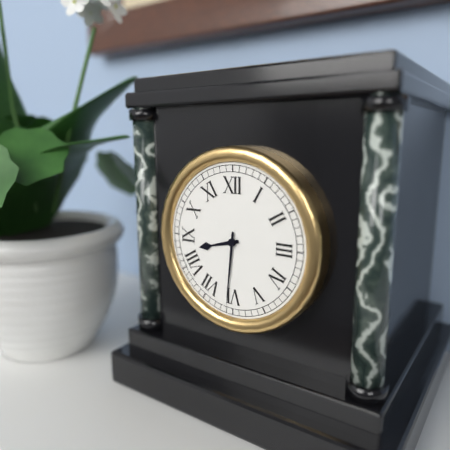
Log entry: **8:31**
